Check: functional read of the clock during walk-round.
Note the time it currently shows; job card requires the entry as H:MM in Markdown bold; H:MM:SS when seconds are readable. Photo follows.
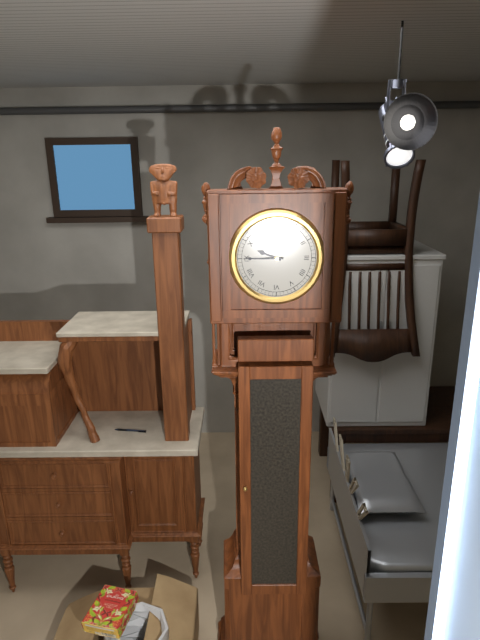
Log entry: **9:45**
